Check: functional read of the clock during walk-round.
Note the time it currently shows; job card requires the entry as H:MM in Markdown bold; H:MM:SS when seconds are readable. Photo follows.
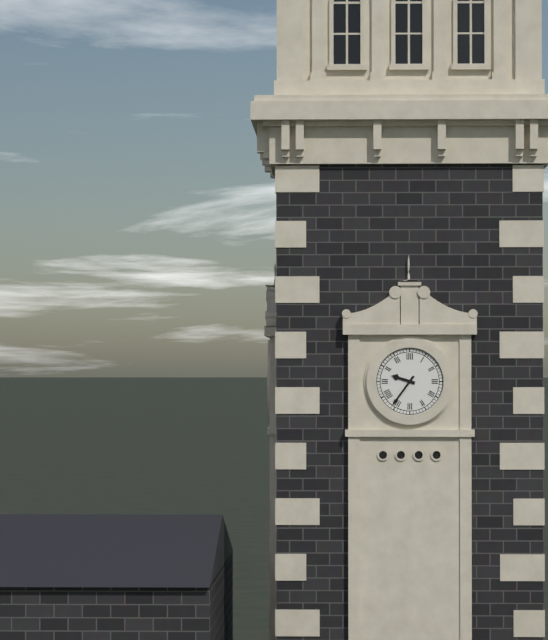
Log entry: **9:36**
